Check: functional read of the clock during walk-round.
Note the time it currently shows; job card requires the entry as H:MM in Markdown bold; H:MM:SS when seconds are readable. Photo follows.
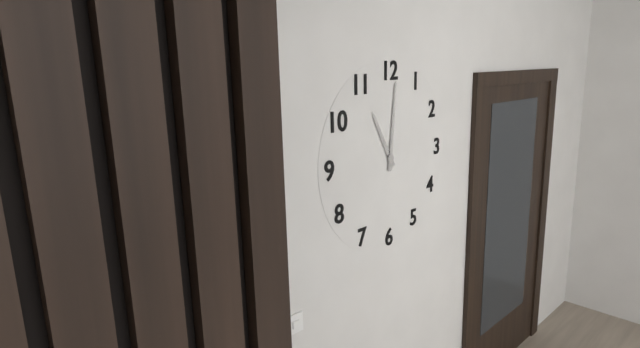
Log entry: **11:01**
